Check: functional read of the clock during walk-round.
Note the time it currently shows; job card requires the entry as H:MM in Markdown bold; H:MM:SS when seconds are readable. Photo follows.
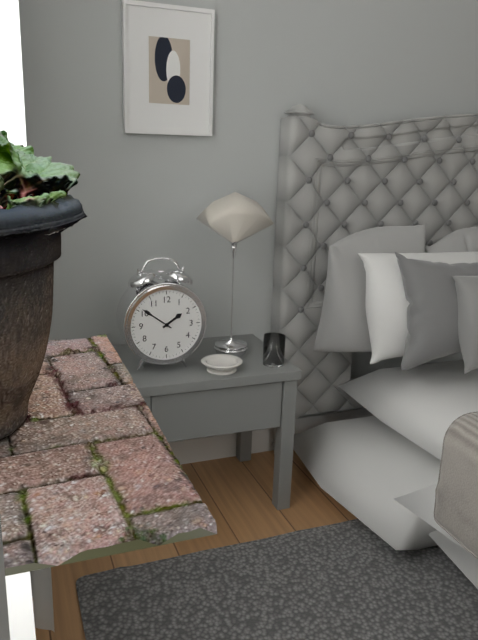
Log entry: **1:51**
